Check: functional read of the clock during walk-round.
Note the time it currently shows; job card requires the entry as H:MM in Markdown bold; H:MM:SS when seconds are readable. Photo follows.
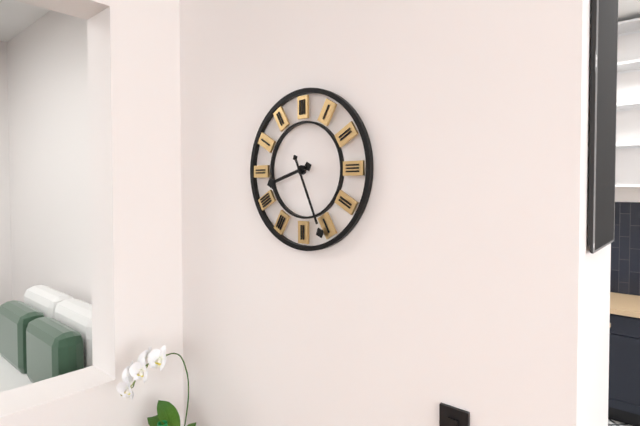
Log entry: **8:26**
